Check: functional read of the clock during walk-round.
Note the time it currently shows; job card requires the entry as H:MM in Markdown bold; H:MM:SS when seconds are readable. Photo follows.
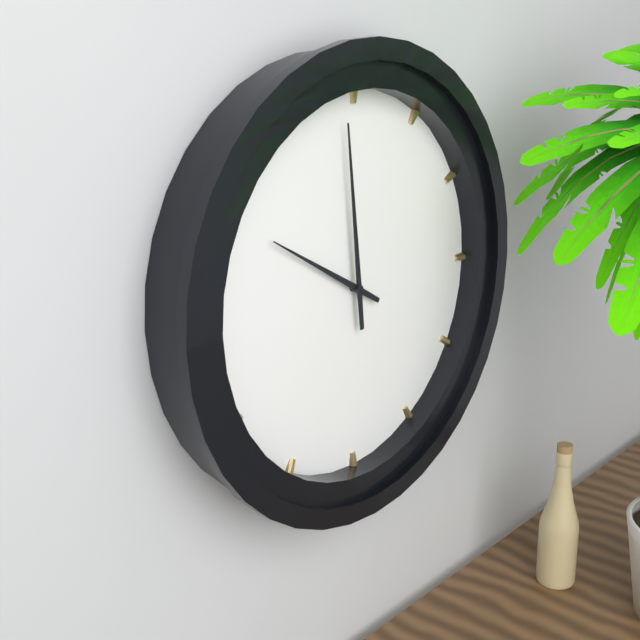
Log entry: **9:59**
